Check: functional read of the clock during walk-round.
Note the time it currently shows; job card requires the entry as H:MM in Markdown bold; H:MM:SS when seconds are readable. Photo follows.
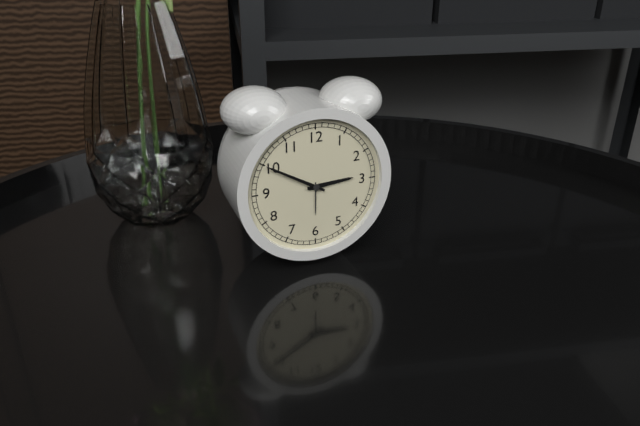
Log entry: **2:50**
